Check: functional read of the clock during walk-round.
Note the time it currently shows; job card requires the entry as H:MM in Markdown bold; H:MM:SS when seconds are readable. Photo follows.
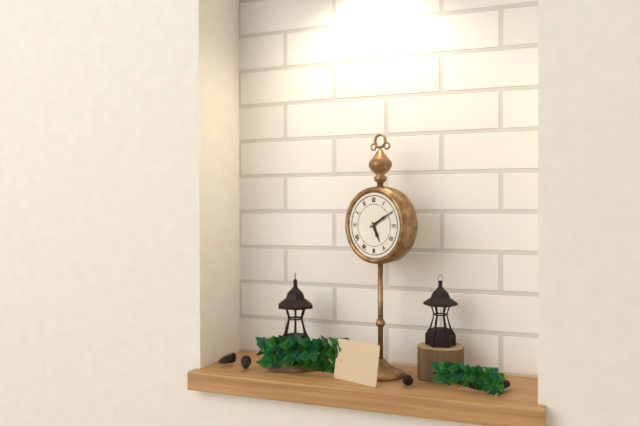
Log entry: **5:10**
